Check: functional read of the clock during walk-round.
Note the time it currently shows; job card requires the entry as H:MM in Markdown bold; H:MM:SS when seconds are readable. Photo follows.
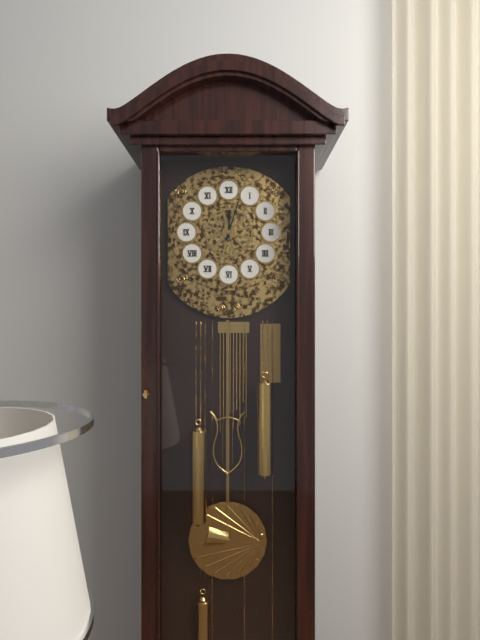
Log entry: **12:03**
